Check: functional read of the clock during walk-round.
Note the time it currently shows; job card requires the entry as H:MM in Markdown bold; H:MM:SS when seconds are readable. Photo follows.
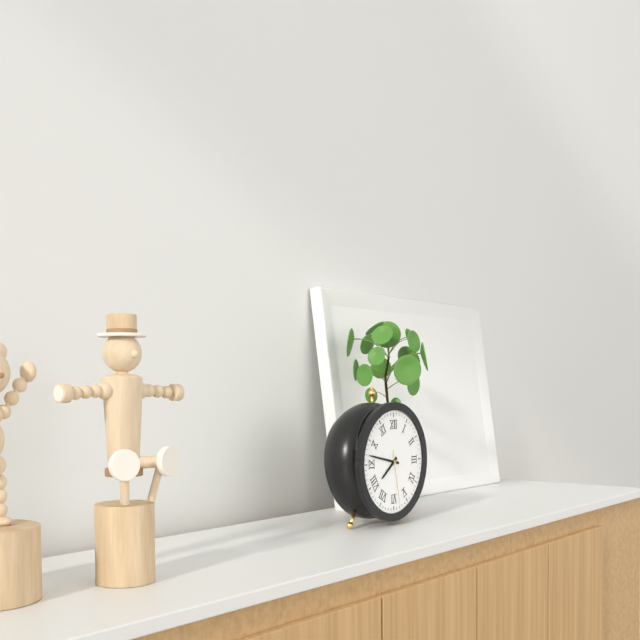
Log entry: **7:47:28**
